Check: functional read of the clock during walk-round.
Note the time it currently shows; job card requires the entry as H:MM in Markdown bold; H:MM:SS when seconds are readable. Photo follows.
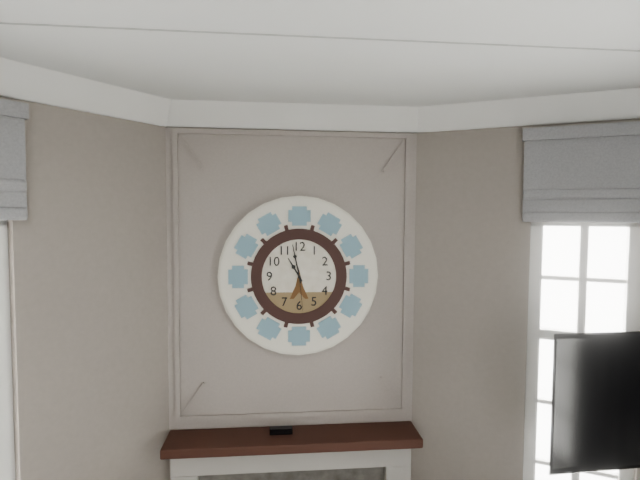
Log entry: **10:58**
